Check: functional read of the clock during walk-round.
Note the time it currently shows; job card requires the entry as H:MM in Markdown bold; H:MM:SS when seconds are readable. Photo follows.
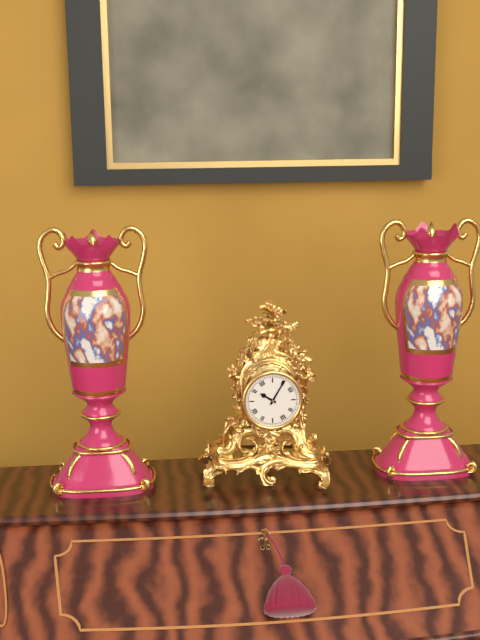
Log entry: **10:05**
